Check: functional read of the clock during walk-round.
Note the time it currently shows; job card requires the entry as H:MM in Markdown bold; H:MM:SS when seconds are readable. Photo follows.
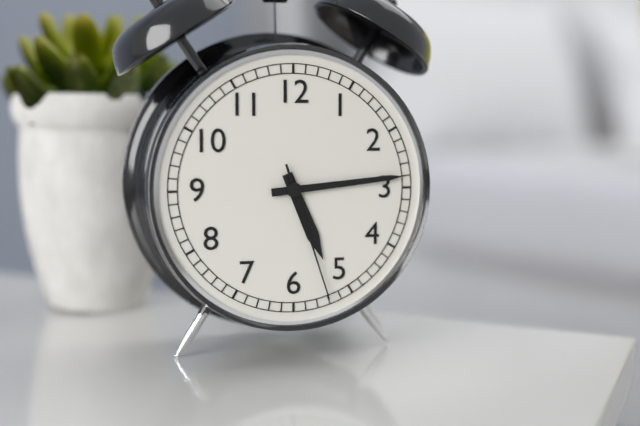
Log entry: **5:14:27**
